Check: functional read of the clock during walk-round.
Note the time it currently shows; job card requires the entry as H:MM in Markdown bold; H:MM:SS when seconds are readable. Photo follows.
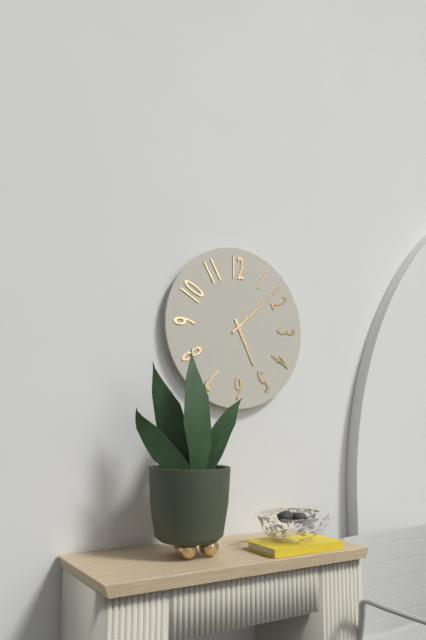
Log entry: **5:08**
